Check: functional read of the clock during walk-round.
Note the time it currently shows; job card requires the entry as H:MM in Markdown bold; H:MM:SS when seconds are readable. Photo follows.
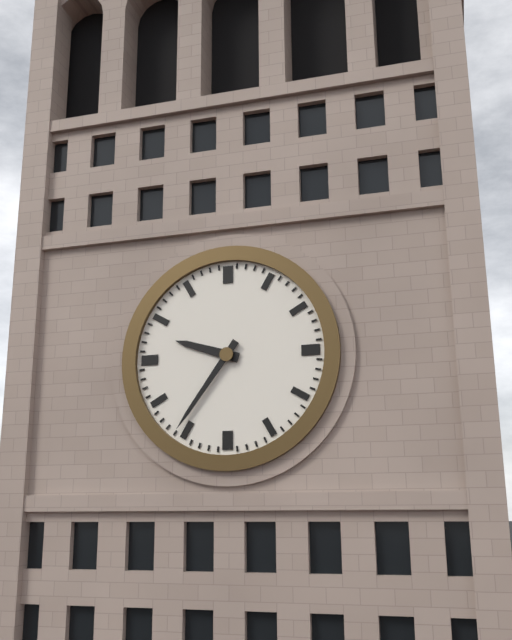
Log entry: **9:36**
